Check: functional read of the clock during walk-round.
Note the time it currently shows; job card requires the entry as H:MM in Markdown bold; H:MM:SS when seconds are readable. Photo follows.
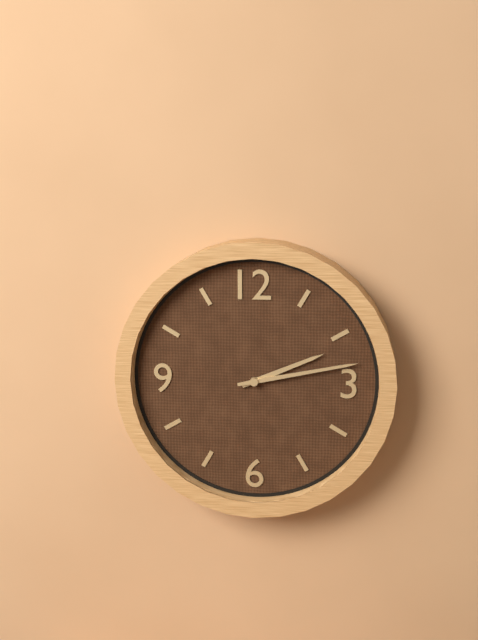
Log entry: **2:13**
